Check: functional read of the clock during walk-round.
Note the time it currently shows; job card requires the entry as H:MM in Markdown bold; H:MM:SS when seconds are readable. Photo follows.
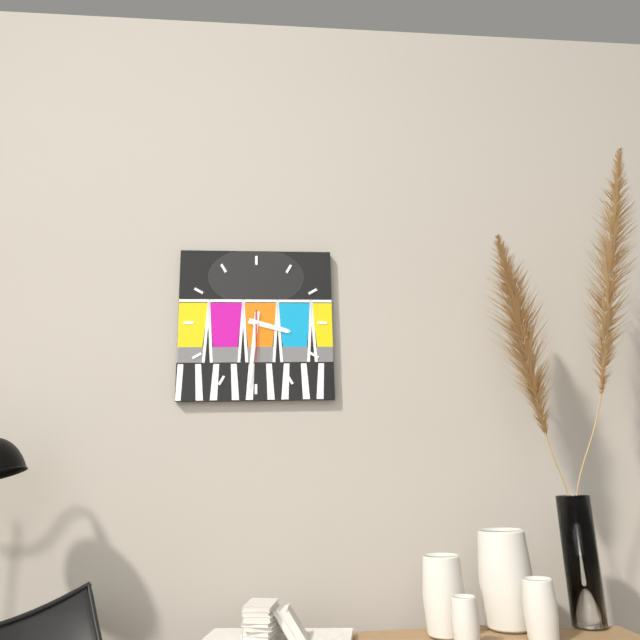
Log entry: **3:31**
